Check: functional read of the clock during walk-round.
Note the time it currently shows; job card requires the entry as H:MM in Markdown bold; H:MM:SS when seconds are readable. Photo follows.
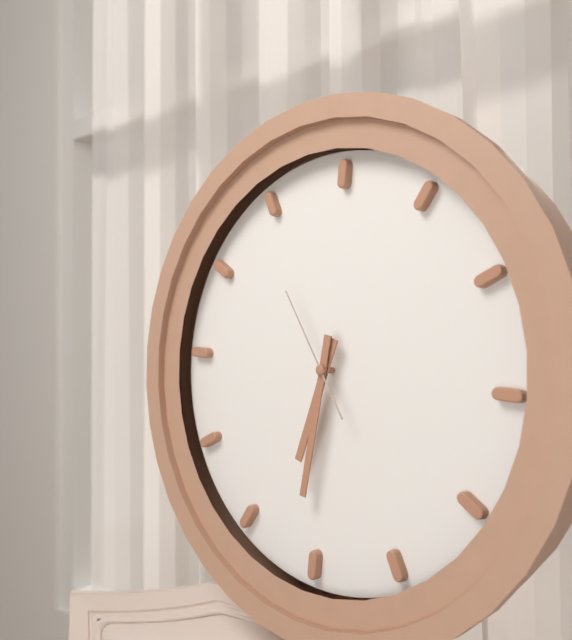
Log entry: **6:31:54**
